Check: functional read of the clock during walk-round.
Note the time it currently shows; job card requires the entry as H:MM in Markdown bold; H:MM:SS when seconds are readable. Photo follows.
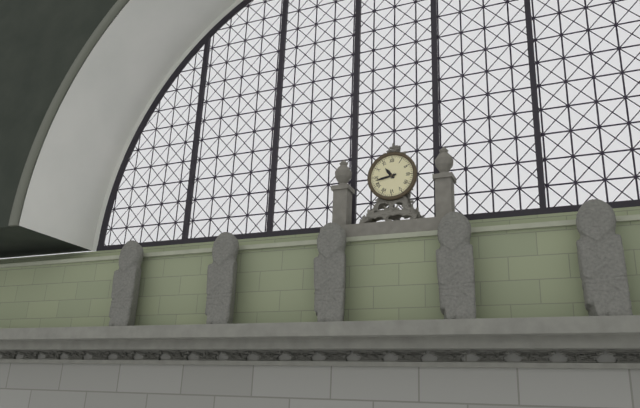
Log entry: **10:43**
